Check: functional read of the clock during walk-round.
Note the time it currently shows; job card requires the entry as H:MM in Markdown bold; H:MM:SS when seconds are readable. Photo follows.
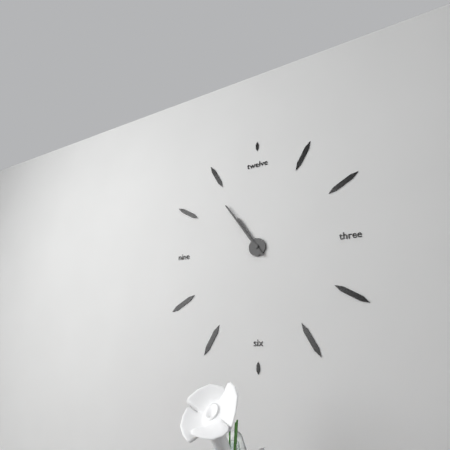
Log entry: **10:54**
